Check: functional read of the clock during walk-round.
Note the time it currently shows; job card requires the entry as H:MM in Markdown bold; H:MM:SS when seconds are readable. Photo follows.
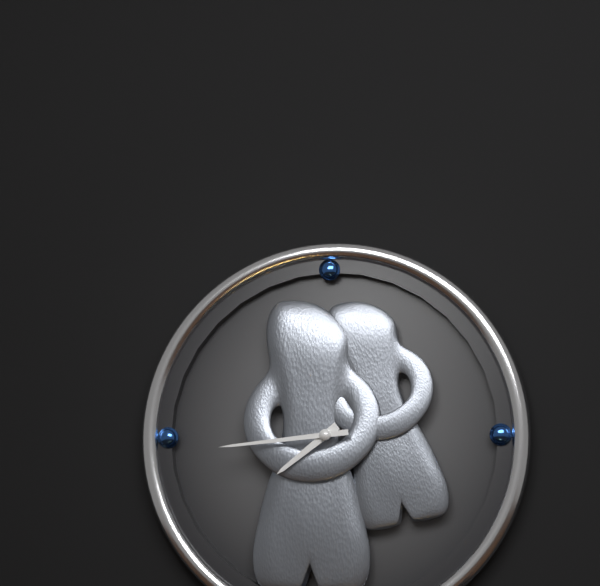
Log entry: **7:44**
